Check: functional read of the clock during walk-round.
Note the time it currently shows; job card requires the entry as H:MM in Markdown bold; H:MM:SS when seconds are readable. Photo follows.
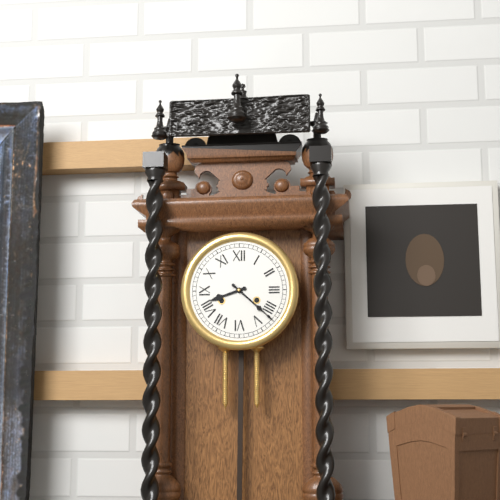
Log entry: **8:22**
